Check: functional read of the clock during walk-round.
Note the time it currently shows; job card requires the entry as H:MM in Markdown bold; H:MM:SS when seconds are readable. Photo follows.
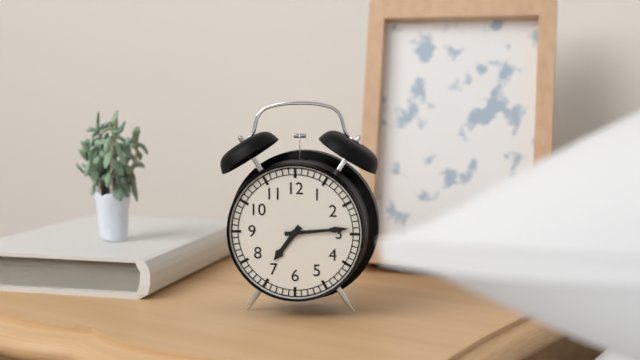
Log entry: **7:14**
